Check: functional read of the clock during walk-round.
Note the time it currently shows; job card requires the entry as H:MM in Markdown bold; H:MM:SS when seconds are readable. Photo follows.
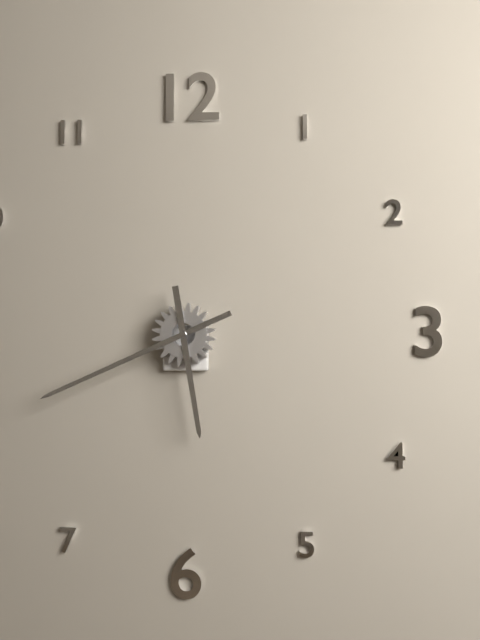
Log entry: **5:41**
